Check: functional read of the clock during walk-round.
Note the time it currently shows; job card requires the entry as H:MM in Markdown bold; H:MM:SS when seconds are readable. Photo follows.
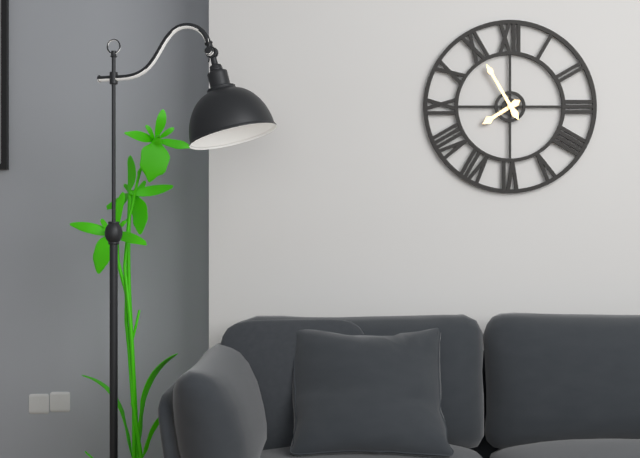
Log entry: **7:55**
